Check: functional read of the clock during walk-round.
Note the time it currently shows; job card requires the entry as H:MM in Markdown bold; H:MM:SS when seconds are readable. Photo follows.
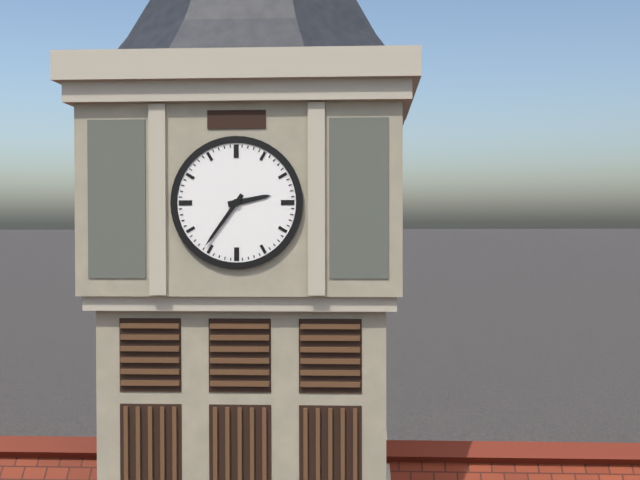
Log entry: **2:36**
